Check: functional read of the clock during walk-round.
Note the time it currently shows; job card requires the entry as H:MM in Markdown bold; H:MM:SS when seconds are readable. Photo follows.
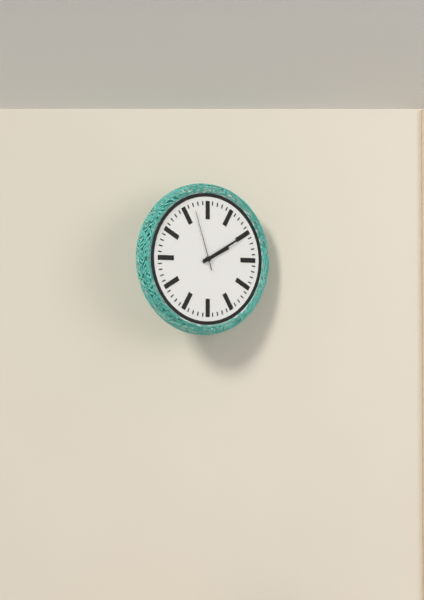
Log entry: **2:10:57**
